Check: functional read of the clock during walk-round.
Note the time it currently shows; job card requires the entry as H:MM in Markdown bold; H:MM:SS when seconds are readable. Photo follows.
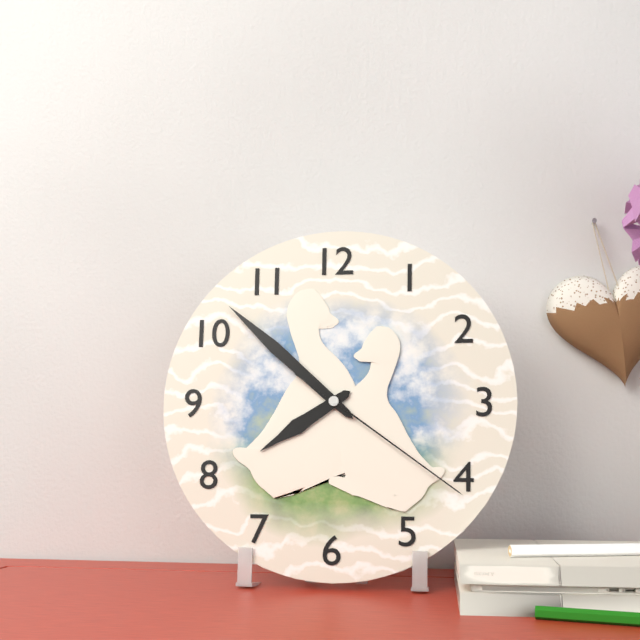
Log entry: **7:52:21**
